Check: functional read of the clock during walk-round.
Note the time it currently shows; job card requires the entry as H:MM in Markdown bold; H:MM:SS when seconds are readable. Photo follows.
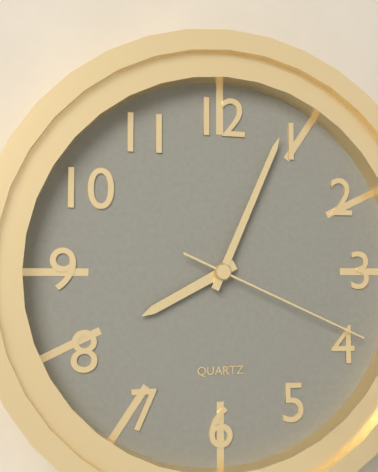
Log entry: **8:04:19**
